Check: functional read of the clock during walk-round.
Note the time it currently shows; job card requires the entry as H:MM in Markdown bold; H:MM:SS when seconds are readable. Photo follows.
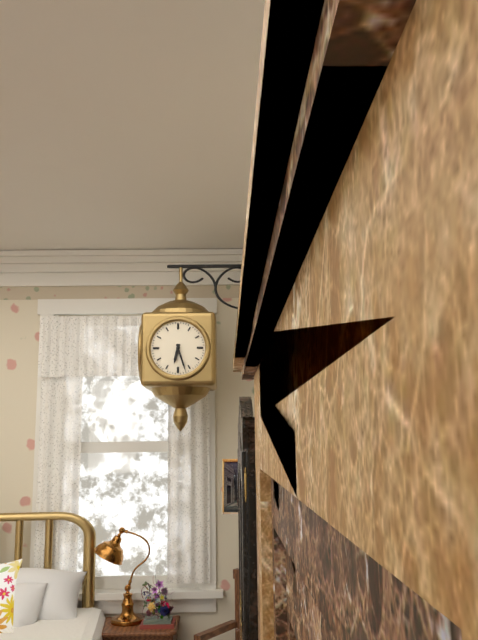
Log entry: **6:27**
